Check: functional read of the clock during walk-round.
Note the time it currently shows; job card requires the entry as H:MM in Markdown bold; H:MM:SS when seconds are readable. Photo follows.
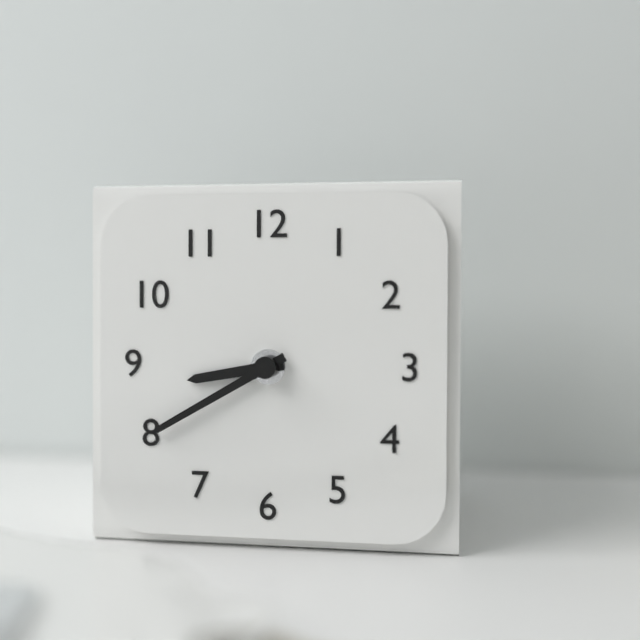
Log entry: **8:40**
